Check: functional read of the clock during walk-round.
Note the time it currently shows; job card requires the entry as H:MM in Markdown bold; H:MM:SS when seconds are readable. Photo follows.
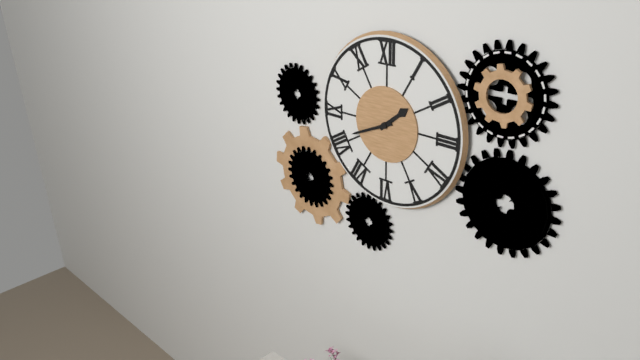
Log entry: **1:41**
